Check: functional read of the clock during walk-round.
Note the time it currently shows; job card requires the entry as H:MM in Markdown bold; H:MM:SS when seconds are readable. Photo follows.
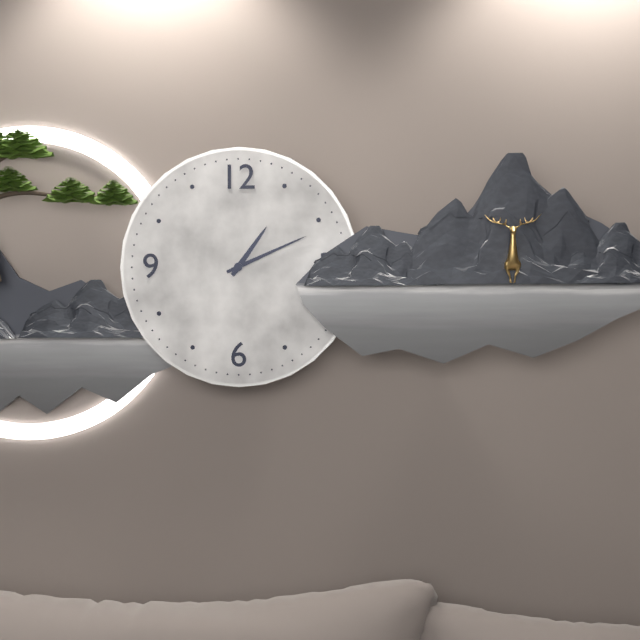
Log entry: **1:11**
